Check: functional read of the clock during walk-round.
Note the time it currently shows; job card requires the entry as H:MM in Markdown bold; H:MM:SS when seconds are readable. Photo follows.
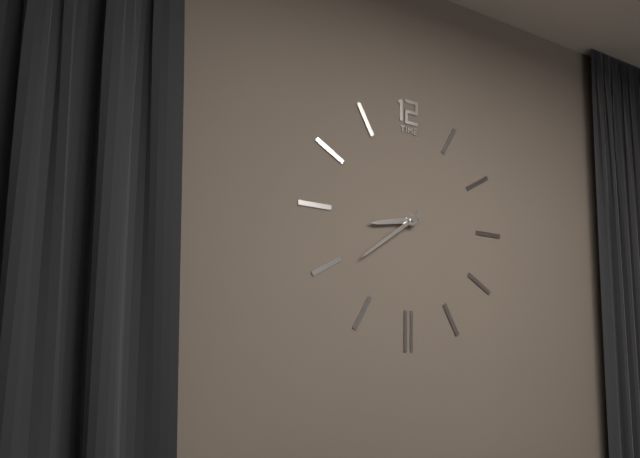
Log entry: **8:39**
